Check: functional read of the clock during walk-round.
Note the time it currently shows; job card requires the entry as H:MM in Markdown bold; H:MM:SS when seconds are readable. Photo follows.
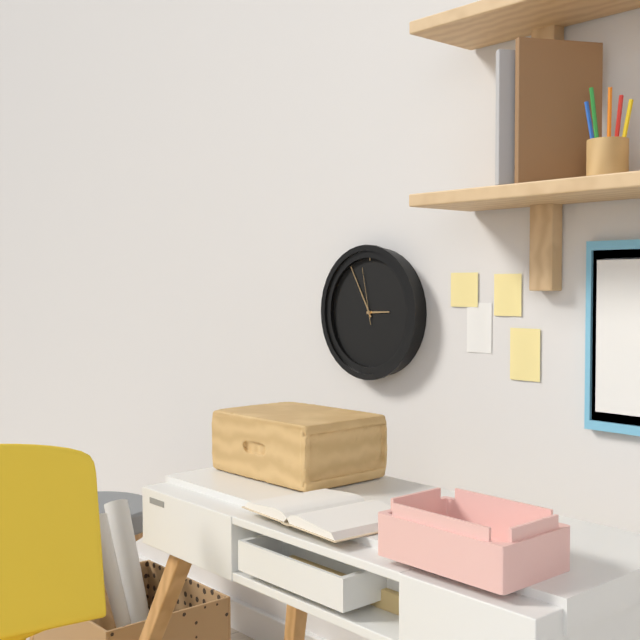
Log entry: **2:55:58**
